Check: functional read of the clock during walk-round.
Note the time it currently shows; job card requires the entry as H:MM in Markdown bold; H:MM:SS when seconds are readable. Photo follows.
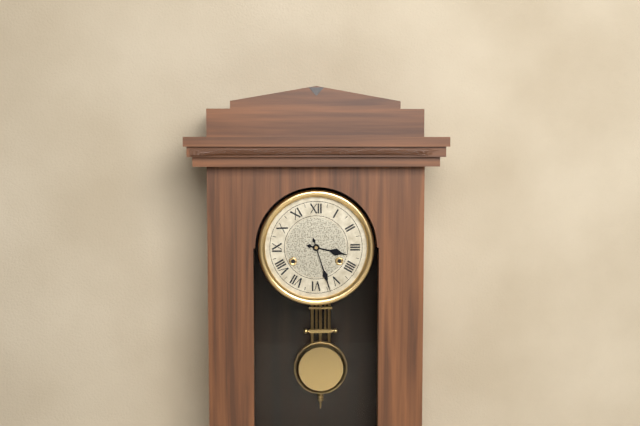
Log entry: **3:27**
